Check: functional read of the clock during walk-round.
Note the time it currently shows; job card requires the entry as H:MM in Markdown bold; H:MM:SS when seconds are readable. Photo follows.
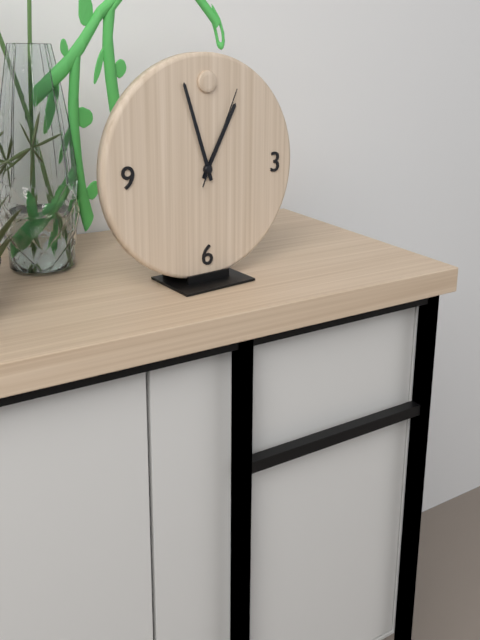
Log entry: **12:57:04**
